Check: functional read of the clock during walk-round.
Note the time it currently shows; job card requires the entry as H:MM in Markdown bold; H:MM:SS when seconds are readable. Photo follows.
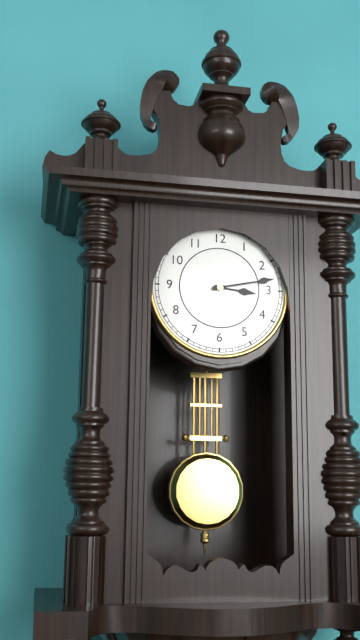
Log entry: **3:13**
